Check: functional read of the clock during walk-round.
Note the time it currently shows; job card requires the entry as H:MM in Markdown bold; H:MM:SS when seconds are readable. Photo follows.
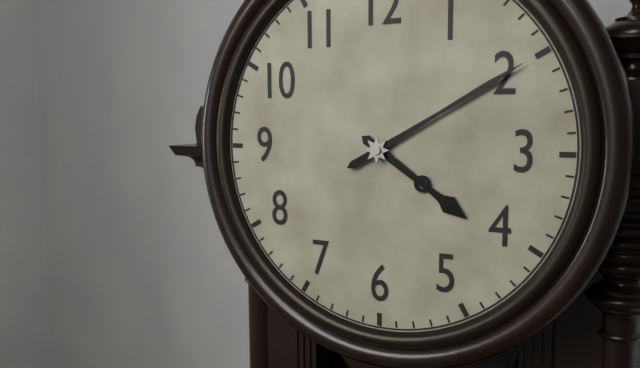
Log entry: **4:10**
